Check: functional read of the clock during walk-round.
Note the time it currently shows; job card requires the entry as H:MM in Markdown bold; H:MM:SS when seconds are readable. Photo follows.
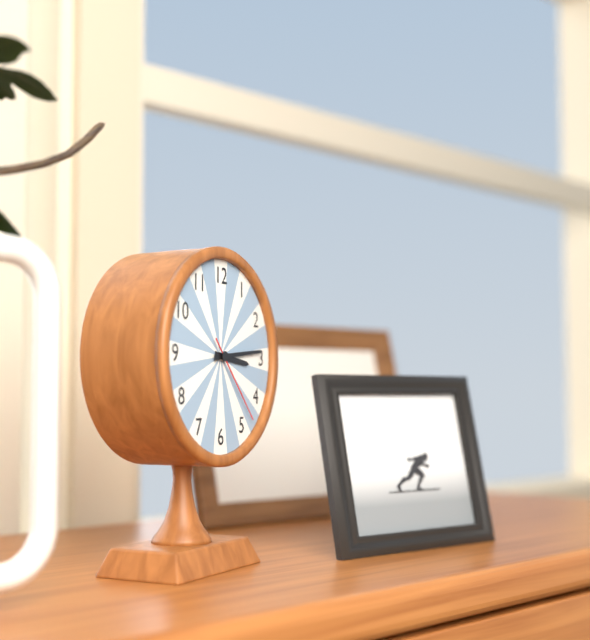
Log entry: **3:14:23**
